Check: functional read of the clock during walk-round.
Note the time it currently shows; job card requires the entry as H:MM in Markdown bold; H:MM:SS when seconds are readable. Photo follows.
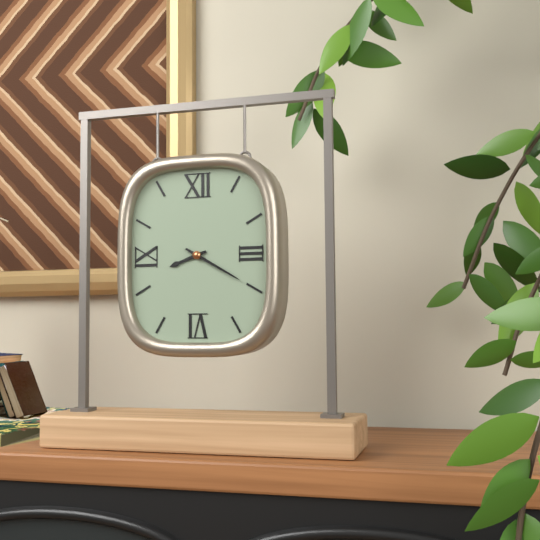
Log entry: **8:20**
